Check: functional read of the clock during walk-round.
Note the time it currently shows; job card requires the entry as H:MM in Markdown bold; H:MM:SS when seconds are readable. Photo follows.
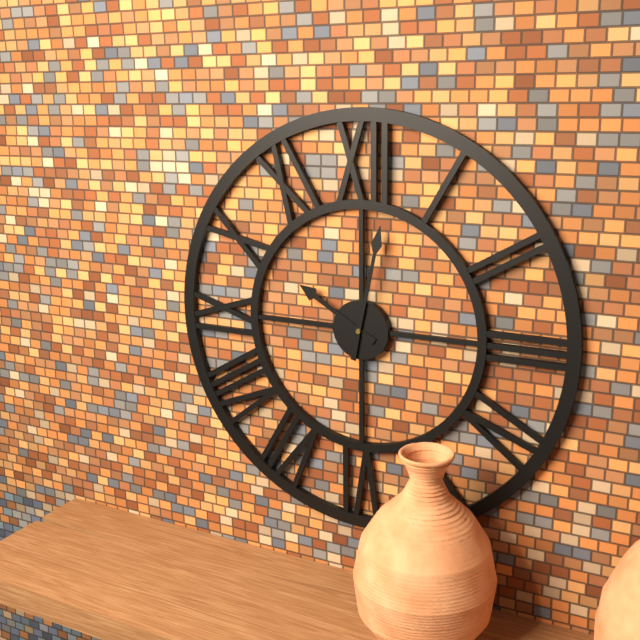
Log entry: **10:02**
